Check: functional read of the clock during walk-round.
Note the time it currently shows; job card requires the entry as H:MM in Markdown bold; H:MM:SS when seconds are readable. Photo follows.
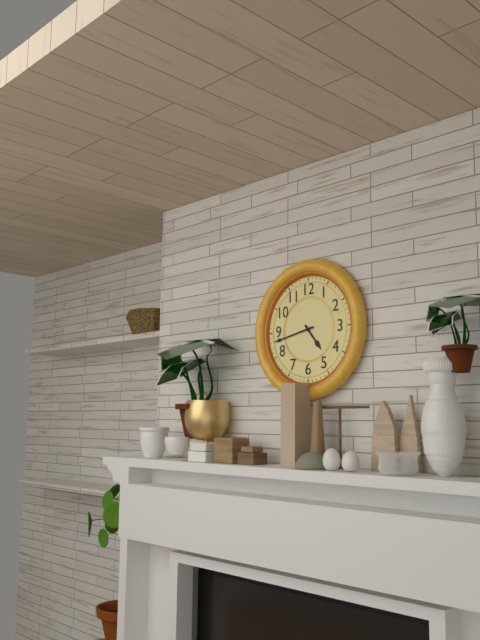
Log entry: **4:43**
